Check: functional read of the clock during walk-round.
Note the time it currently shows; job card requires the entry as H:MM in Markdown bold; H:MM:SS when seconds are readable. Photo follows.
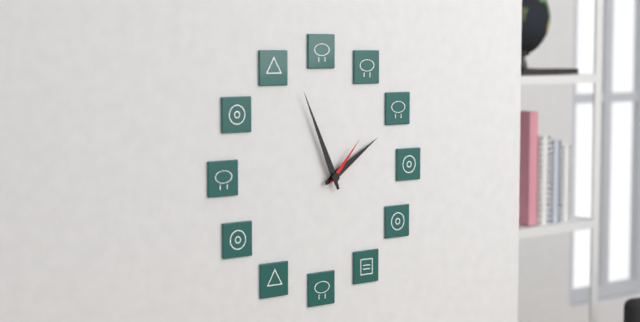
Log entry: **1:56:07**
